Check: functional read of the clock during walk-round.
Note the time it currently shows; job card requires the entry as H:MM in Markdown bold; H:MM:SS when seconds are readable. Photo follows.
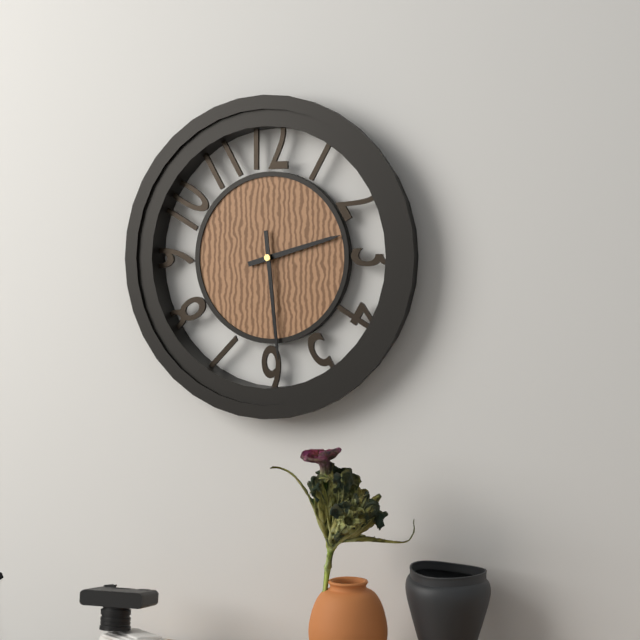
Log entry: **2:29**
